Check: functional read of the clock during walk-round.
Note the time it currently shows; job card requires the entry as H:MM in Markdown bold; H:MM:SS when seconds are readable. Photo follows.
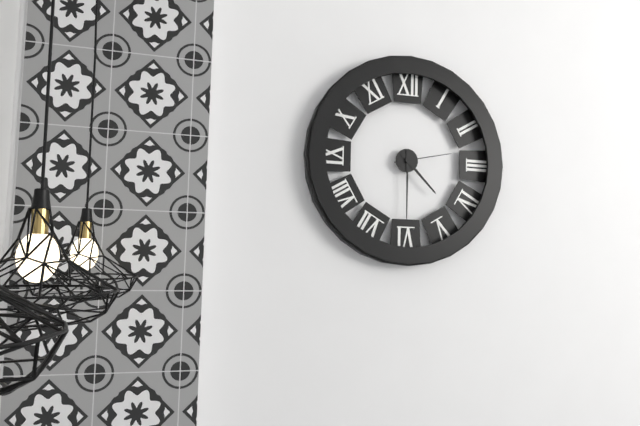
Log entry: **4:30:13**
